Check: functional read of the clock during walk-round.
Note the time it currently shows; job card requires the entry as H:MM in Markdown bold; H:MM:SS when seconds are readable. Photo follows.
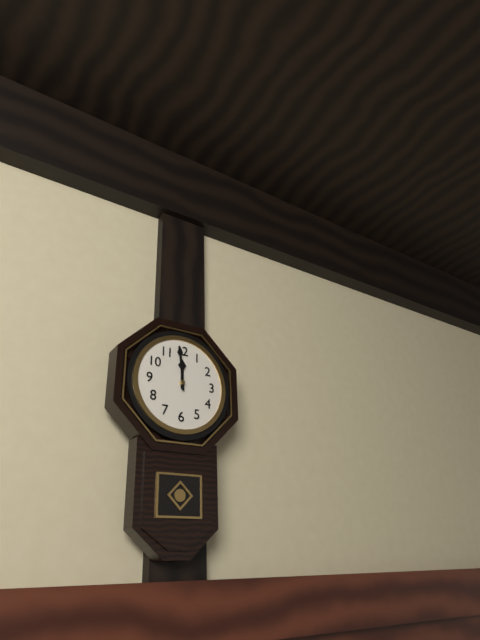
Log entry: **11:59**
